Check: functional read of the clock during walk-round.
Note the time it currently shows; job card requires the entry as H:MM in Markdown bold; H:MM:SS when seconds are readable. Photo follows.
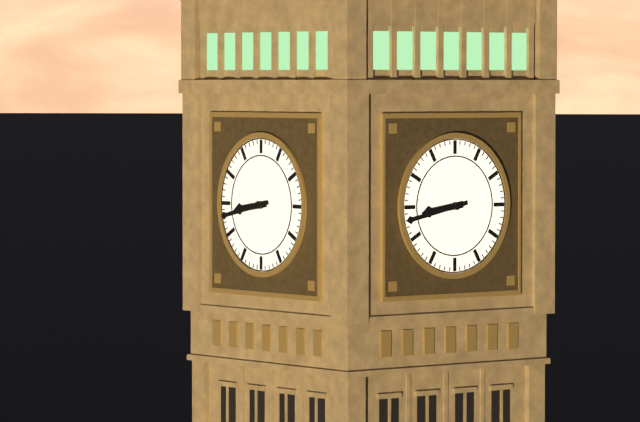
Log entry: **8:43**
